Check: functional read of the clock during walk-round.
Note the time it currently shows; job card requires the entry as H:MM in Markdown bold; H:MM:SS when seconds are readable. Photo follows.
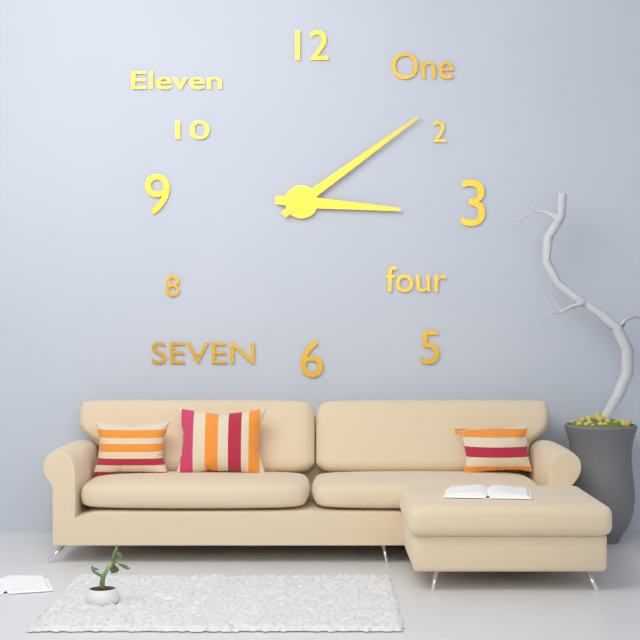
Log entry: **3:09**
